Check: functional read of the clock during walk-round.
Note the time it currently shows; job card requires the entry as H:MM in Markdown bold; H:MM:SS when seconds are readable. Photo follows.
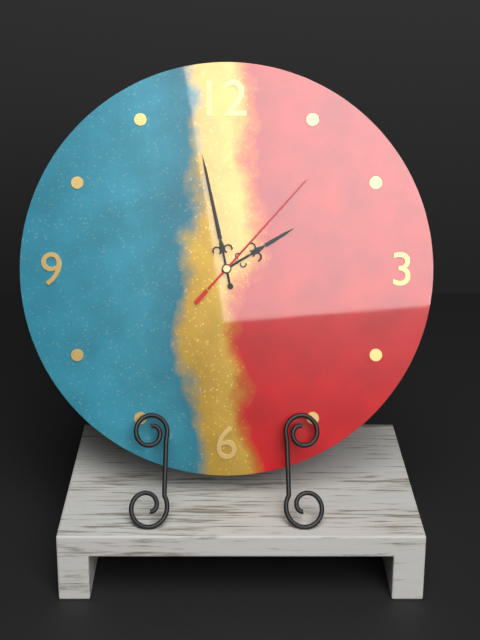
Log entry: **1:58:07**
